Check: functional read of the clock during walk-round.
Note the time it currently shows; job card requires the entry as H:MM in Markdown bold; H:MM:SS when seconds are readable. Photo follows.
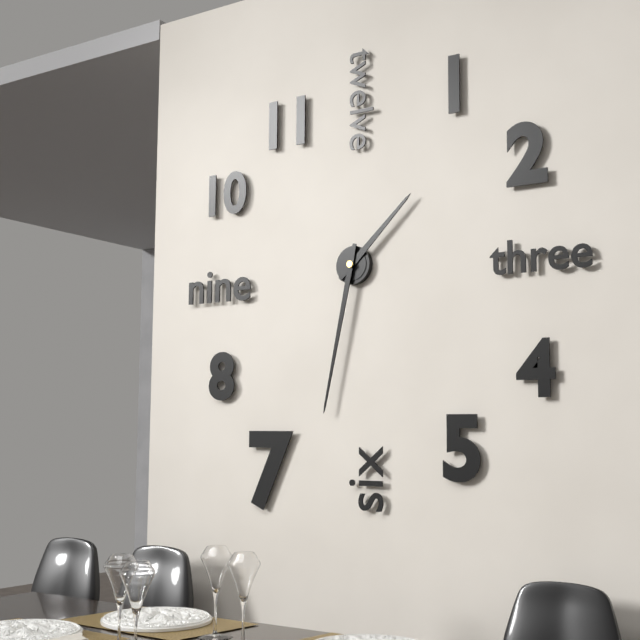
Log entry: **1:32**
